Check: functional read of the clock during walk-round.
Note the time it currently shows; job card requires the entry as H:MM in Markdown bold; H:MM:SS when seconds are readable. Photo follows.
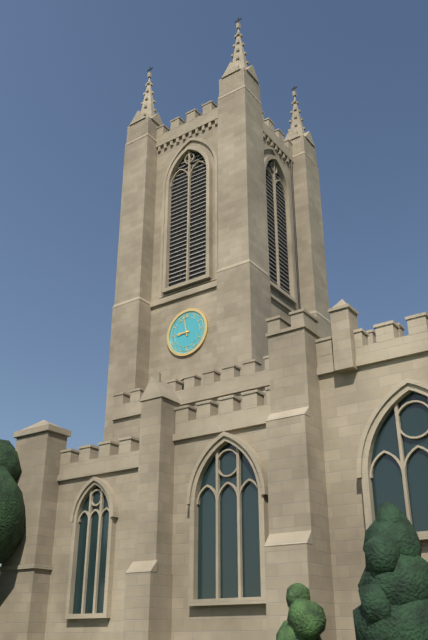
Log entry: **8:58**
